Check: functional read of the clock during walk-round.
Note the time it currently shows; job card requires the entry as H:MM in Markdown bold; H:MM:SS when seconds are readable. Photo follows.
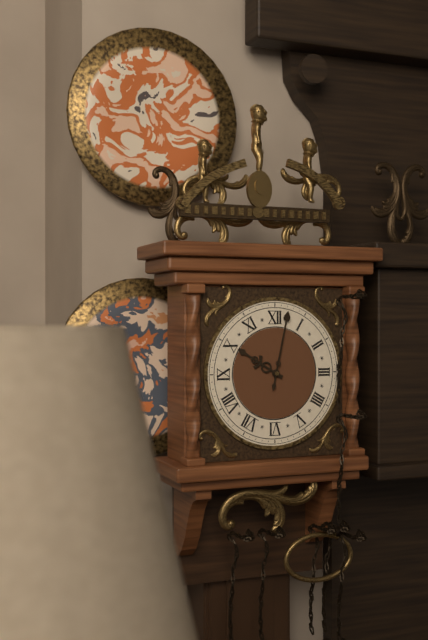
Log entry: **10:02**
